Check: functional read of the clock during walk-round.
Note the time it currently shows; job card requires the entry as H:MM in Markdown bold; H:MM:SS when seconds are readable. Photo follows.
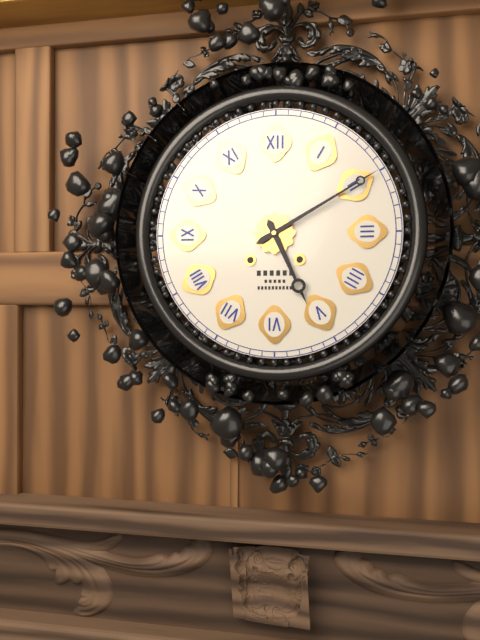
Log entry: **5:10**
